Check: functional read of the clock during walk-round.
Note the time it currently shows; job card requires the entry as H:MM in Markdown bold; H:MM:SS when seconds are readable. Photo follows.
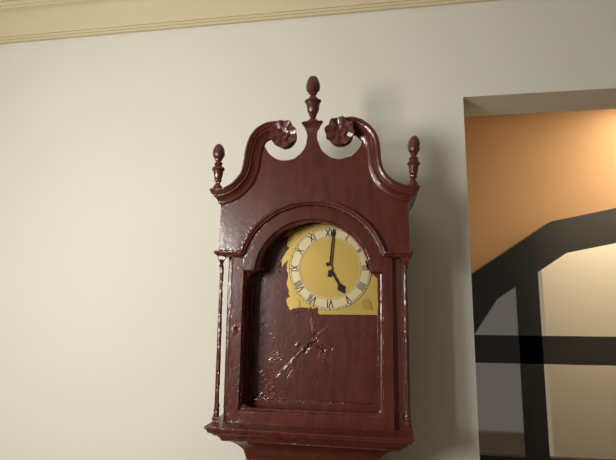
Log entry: **5:01**
